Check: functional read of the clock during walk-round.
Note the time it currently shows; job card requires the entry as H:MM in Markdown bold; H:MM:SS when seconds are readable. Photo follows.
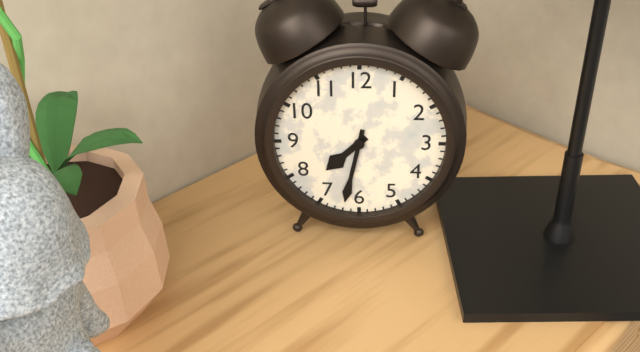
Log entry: **7:32**
